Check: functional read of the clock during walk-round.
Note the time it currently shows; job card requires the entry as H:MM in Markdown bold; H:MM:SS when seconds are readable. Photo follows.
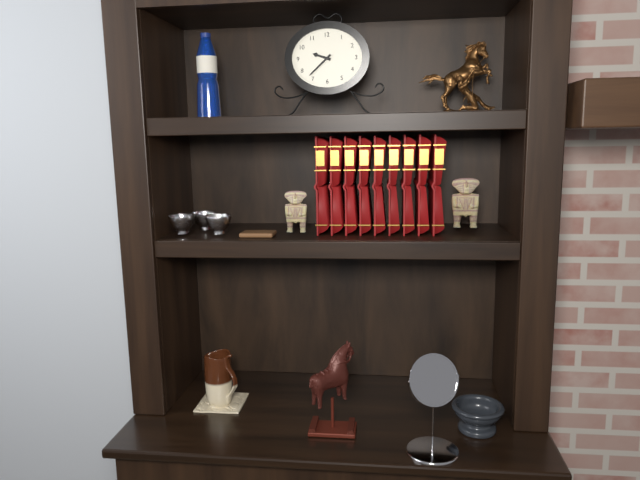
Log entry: **9:38**
